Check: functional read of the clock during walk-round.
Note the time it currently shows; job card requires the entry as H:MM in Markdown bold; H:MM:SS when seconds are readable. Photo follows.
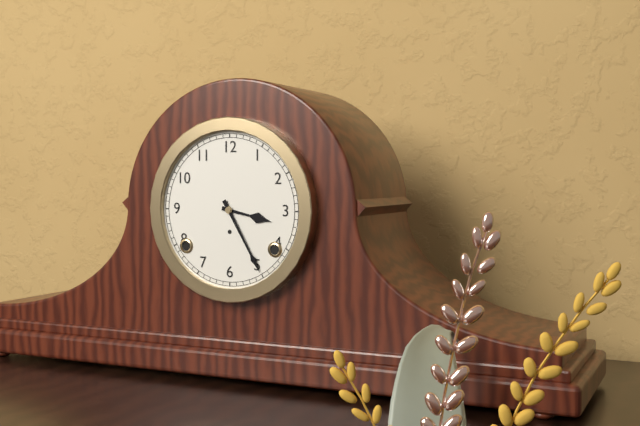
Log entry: **3:25**
